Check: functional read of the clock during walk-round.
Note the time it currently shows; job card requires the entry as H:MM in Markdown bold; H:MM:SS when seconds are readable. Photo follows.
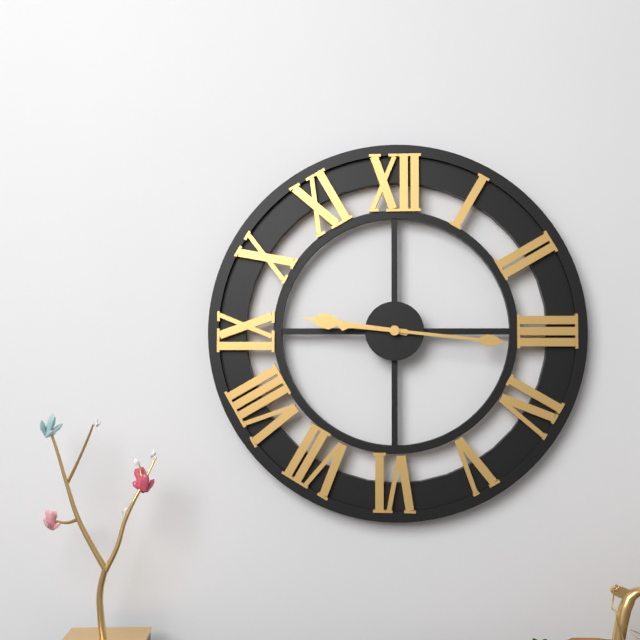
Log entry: **9:16**
